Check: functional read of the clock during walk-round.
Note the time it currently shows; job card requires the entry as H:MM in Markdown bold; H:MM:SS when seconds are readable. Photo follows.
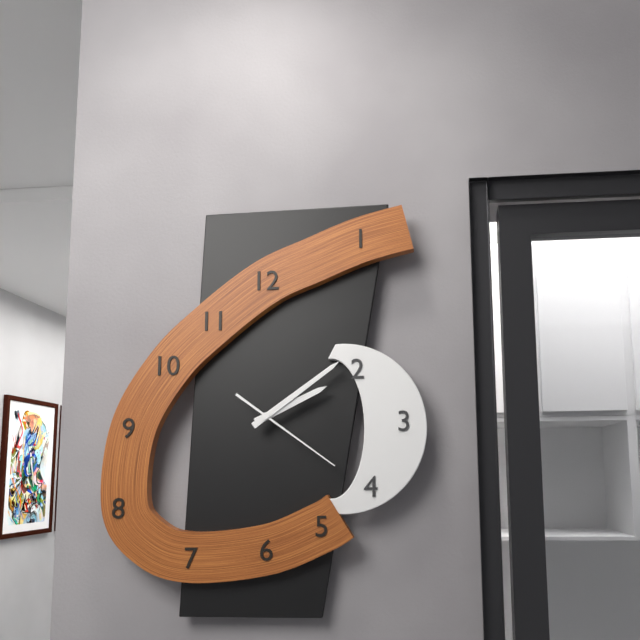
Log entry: **2:09:21**
